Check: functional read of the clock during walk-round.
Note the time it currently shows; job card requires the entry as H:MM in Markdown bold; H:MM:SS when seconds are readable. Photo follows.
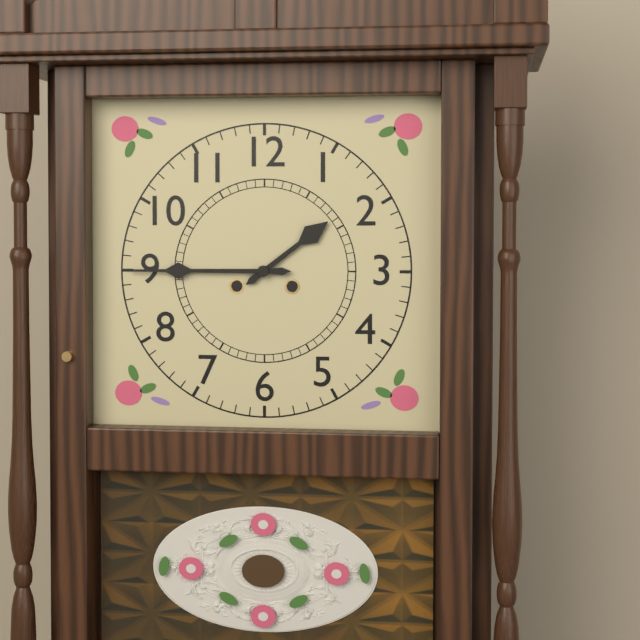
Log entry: **1:45**
